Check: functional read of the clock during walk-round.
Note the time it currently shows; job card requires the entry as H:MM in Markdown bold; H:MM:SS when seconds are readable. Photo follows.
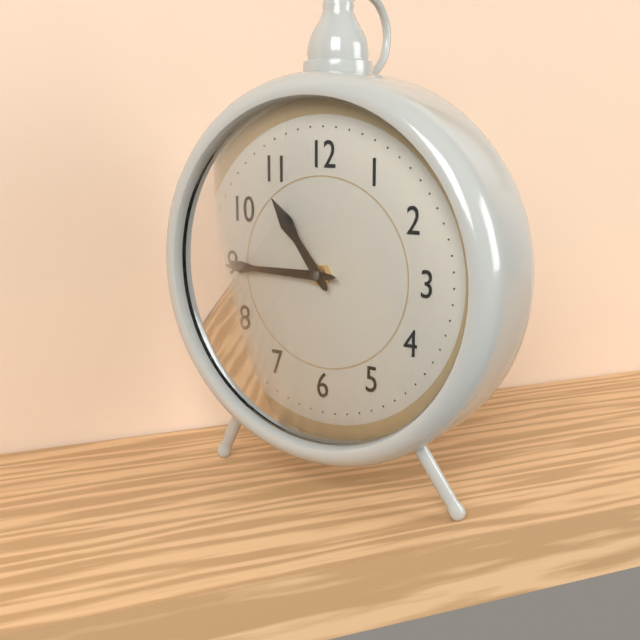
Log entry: **10:45**
